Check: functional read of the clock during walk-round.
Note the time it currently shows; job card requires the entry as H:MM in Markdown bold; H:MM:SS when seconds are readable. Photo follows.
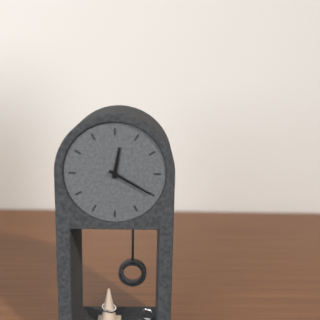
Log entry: **12:20**
